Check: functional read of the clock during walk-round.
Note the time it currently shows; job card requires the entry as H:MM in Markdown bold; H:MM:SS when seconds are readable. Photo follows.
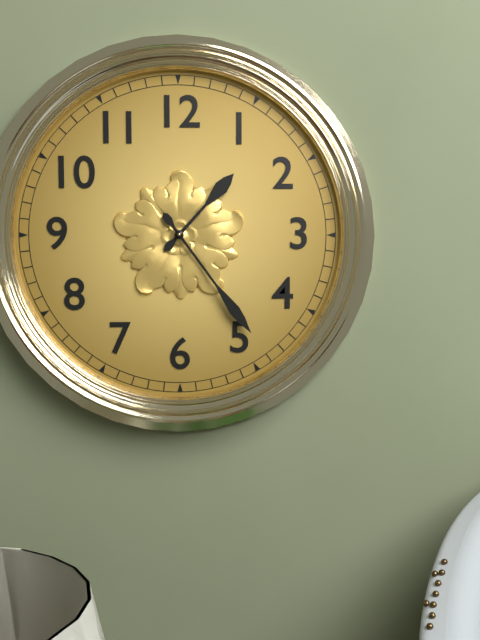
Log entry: **1:24**
